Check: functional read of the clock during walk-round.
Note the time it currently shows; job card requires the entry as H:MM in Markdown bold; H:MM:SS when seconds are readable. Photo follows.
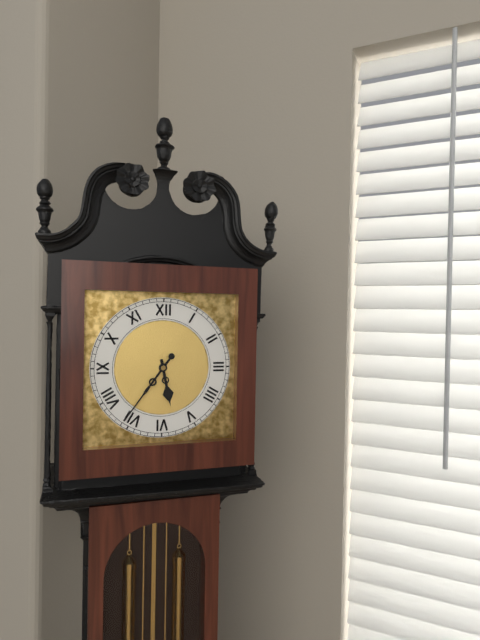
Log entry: **5:36**
